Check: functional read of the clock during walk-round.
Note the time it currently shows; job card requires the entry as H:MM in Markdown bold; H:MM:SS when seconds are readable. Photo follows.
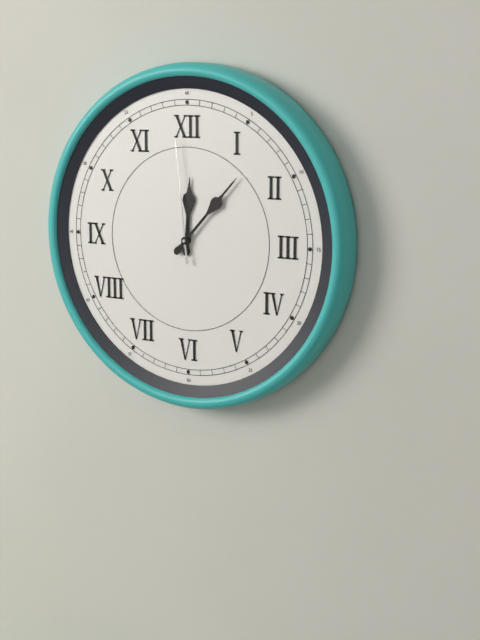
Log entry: **12:07:59**
